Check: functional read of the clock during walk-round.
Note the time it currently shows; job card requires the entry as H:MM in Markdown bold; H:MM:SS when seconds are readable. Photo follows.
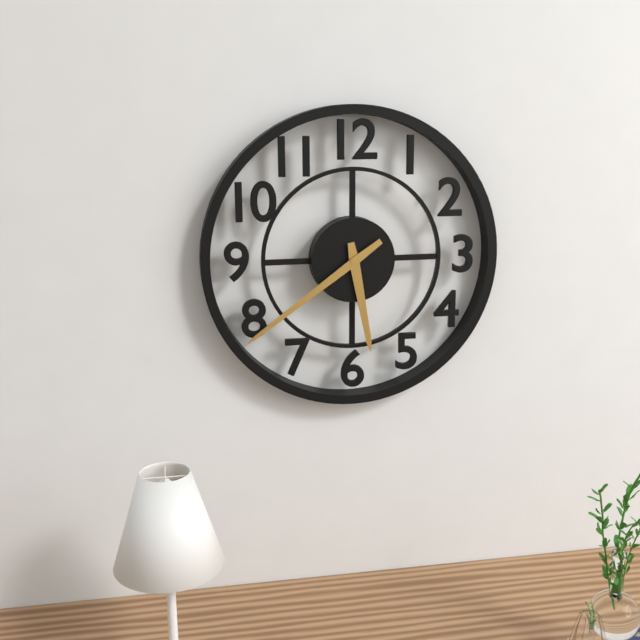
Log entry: **5:39**
